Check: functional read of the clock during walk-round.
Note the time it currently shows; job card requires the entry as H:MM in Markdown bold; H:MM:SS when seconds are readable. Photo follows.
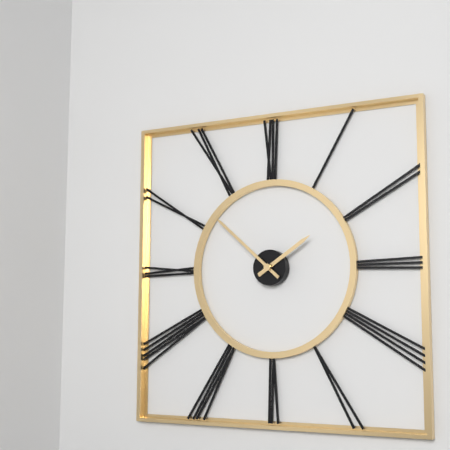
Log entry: **1:52**
